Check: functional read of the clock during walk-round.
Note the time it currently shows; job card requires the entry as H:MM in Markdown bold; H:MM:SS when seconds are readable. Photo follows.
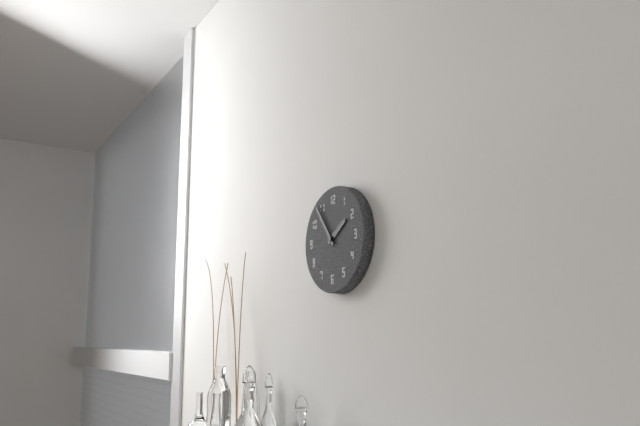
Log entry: **1:54**
